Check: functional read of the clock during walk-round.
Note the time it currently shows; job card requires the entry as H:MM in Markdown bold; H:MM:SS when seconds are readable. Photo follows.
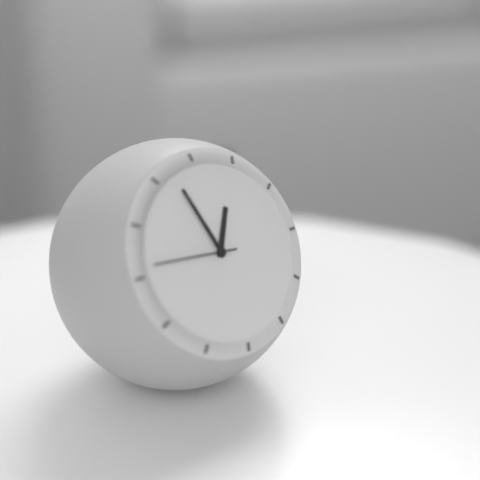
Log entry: **12:57:46**
